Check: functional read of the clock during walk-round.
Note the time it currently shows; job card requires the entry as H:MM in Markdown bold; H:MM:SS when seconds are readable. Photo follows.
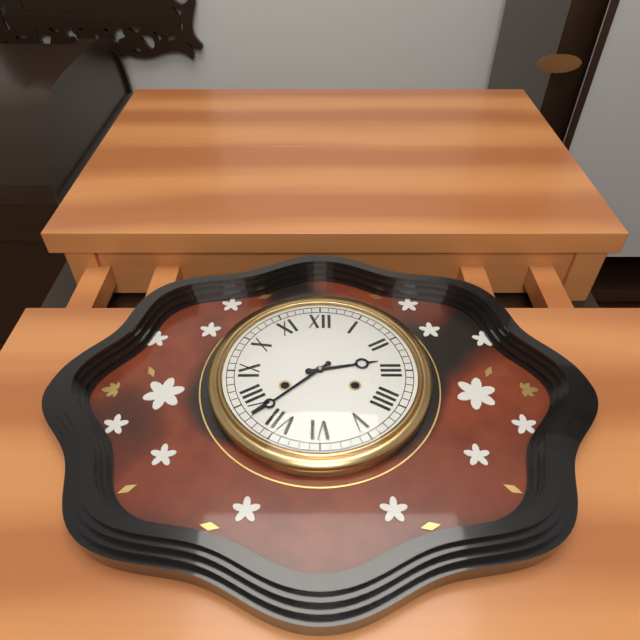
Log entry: **2:38**
